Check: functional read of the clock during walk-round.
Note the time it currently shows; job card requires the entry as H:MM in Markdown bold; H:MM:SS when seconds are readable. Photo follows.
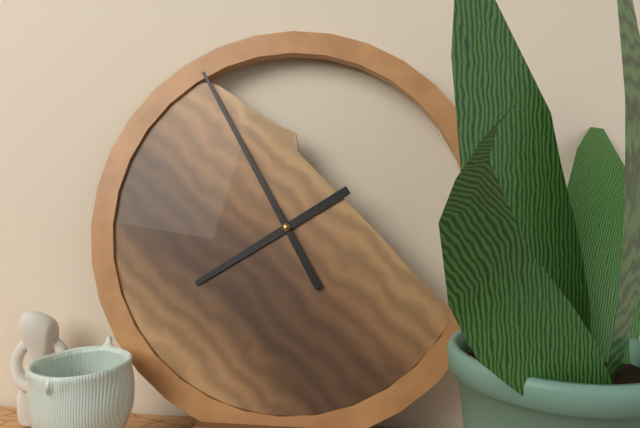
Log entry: **7:55**
